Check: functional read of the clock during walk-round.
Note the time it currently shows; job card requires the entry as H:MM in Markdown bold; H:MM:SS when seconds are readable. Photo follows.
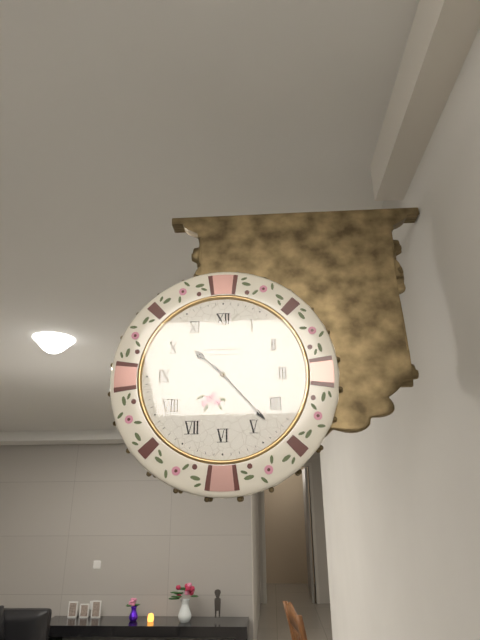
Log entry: **10:23**
